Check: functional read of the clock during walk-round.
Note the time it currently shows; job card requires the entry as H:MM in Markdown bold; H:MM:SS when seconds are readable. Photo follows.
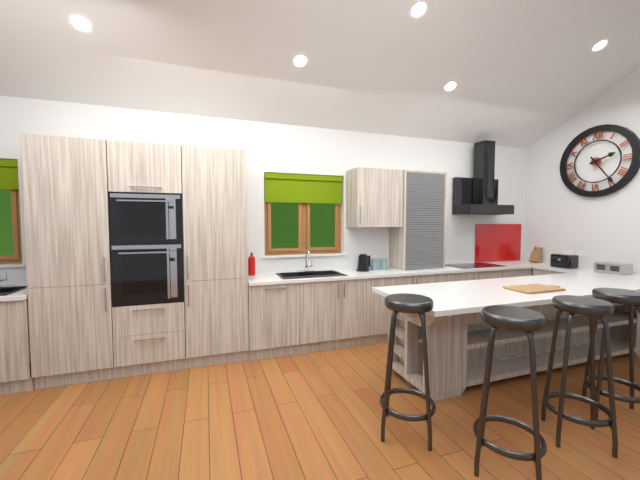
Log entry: **2:24**
